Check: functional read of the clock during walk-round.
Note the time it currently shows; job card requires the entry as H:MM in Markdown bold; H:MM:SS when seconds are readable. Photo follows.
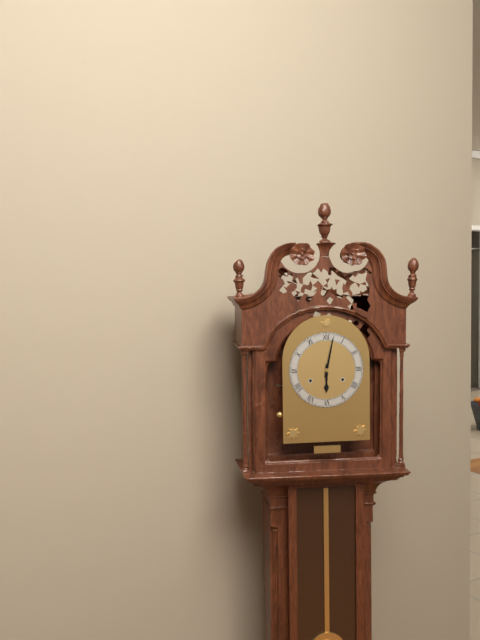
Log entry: **6:02**
